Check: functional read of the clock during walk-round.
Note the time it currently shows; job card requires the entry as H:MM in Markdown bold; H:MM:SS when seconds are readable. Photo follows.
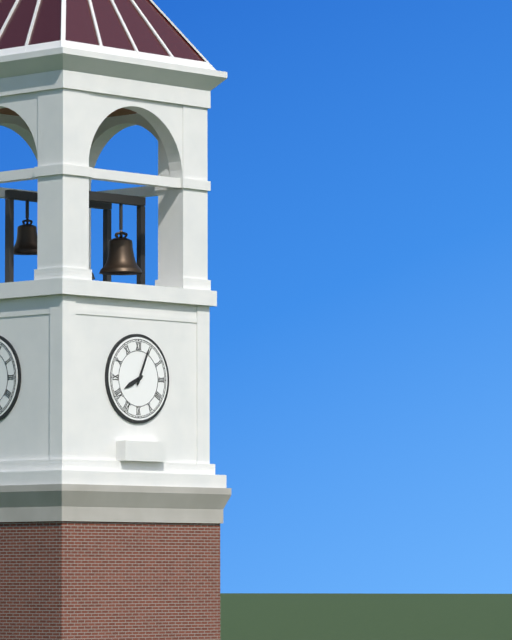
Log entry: **8:04**
